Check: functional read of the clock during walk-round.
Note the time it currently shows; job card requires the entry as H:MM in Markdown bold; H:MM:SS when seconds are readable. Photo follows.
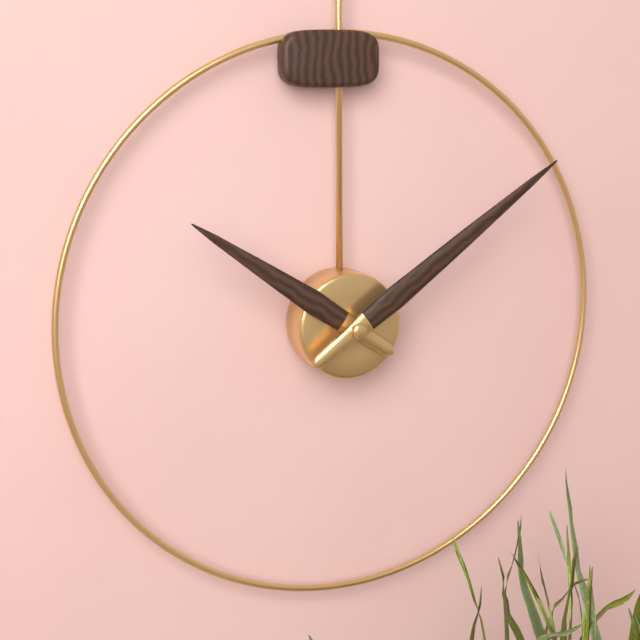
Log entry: **10:09**
